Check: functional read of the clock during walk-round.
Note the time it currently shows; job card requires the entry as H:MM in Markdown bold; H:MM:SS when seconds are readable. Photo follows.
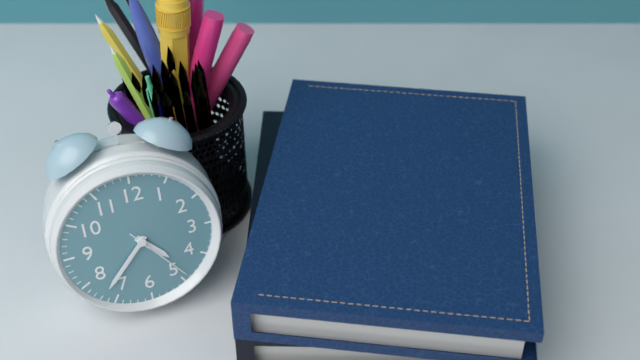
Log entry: **4:37:24**
